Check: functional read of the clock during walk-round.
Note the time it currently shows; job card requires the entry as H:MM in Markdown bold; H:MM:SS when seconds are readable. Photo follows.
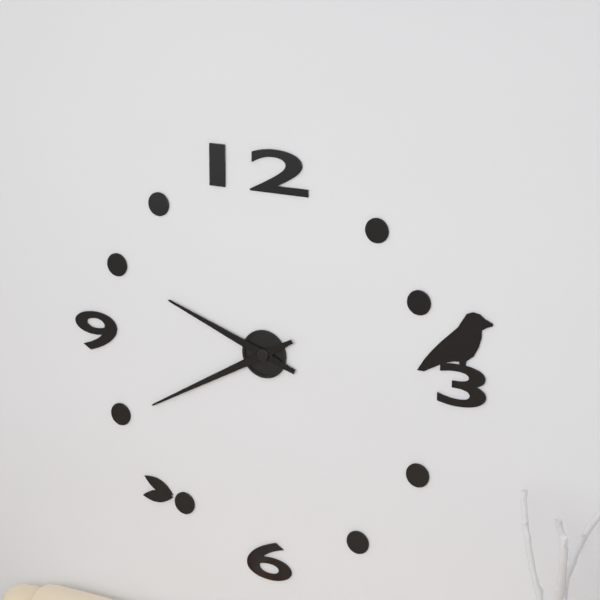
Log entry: **9:40**
